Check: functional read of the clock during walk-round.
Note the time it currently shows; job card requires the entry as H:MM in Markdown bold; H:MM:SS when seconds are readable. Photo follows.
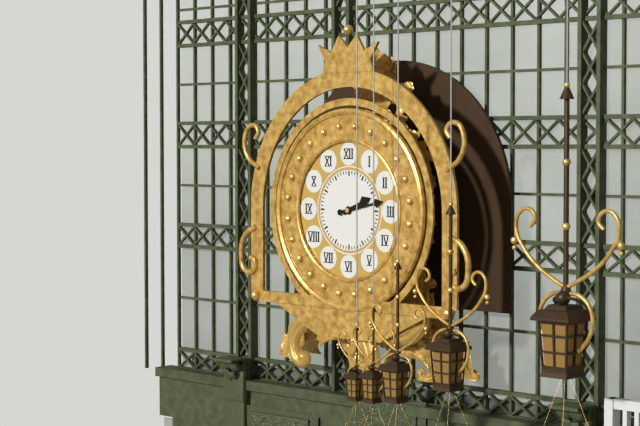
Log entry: **2:13**
